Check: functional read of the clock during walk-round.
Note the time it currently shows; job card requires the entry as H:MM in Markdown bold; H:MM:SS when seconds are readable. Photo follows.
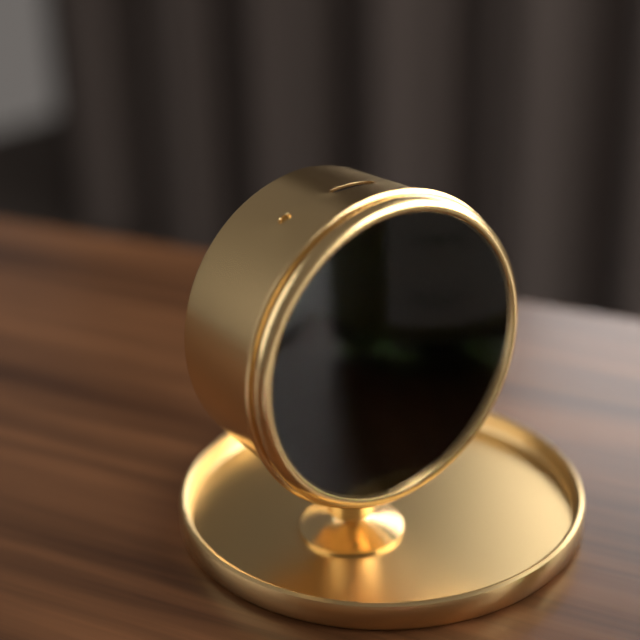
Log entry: **11:35:48**
